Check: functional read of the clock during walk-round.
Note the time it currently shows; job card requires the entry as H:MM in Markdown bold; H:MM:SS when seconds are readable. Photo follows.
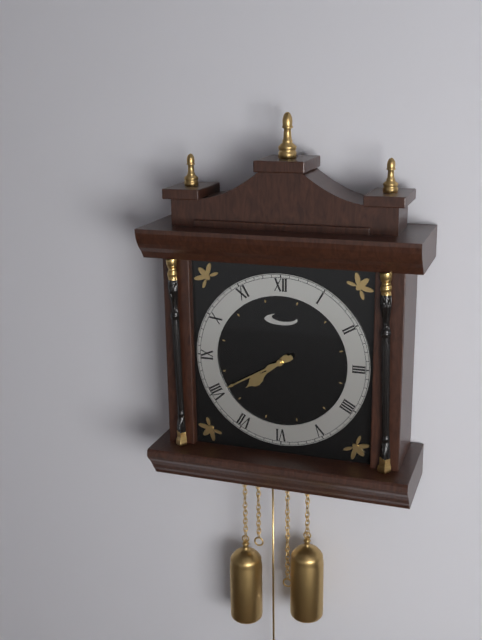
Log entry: **7:40**
